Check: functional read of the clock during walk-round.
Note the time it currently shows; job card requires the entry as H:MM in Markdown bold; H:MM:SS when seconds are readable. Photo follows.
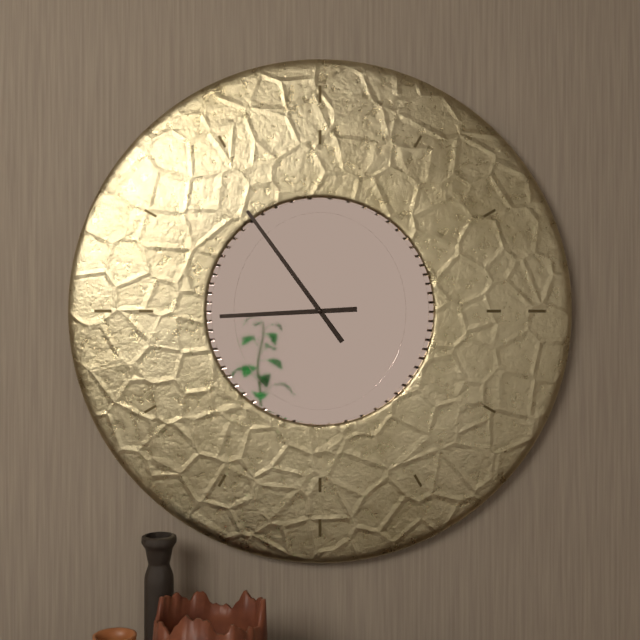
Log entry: **8:54**
